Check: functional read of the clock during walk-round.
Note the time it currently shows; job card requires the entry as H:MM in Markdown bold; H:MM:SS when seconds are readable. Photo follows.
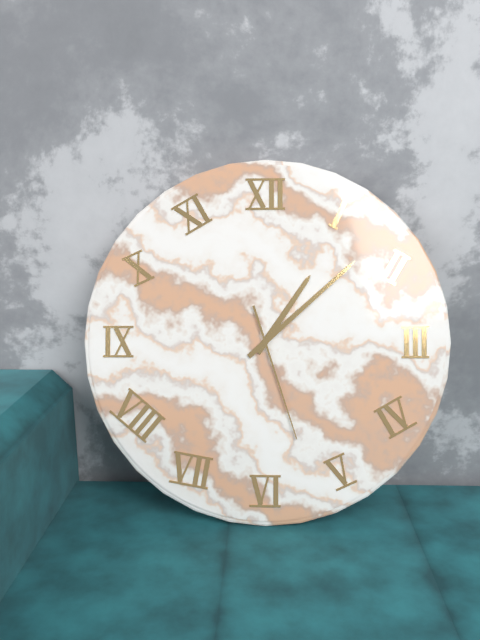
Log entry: **1:08:27**
